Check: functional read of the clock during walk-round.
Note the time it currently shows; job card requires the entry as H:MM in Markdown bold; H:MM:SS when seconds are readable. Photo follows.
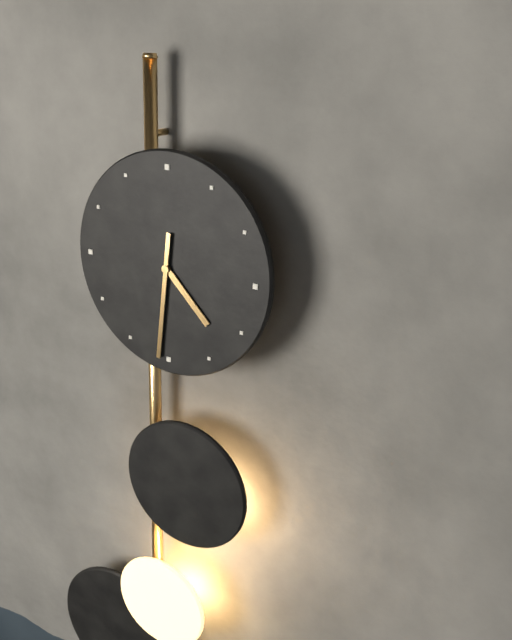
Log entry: **4:31**
